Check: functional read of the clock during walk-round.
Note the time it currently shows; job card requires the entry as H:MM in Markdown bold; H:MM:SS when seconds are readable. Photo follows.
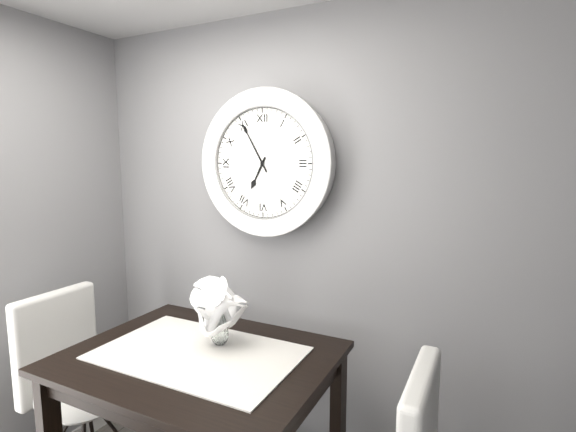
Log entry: **6:55**
